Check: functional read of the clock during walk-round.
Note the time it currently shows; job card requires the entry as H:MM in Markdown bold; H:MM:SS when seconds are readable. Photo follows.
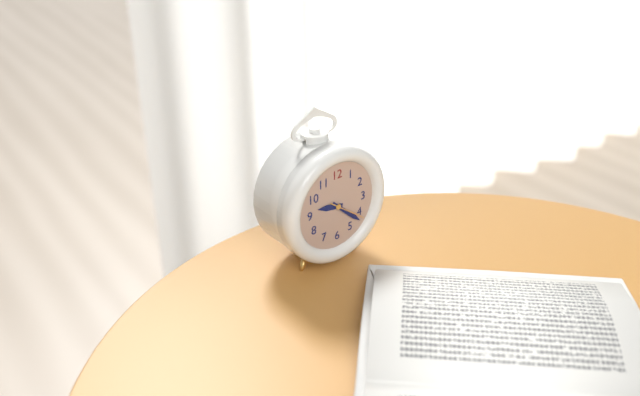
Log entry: **9:22**
